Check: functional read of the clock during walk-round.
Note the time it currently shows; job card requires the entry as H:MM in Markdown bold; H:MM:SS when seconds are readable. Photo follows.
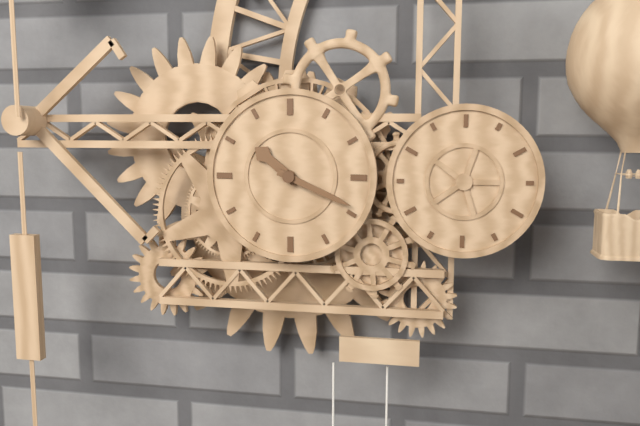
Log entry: **10:19**
